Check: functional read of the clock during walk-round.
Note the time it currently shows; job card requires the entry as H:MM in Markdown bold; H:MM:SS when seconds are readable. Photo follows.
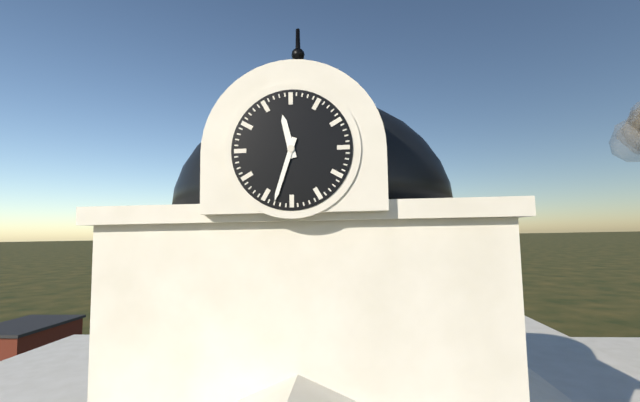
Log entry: **11:33**
